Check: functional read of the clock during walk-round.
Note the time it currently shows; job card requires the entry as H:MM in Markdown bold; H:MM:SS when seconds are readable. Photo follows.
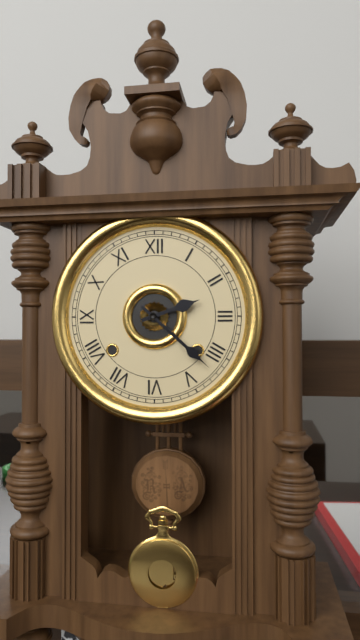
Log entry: **2:22**
